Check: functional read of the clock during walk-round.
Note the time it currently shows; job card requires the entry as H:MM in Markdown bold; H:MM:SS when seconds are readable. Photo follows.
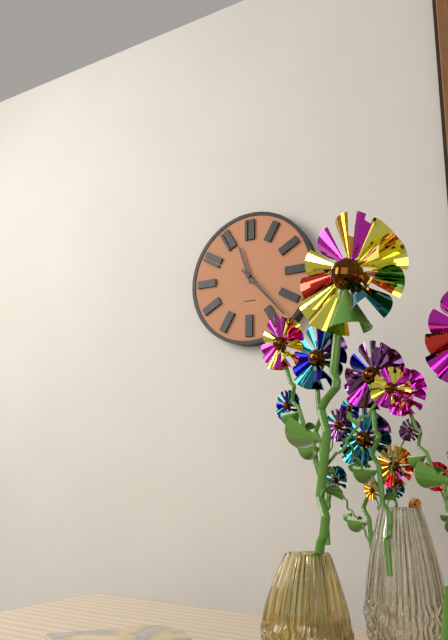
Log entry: **11:23**
